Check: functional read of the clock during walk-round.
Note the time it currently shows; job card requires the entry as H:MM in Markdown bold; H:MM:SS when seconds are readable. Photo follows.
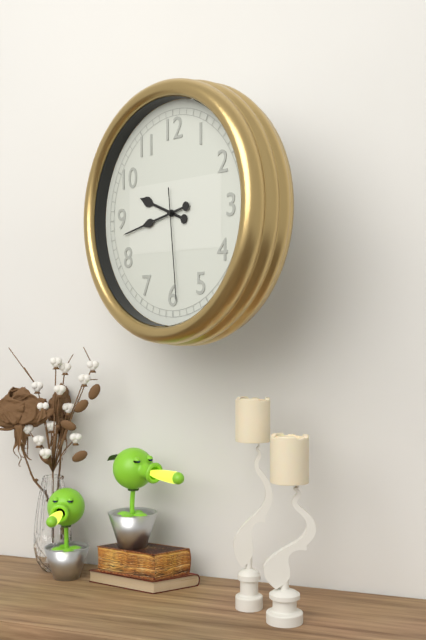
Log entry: **9:43:29**
